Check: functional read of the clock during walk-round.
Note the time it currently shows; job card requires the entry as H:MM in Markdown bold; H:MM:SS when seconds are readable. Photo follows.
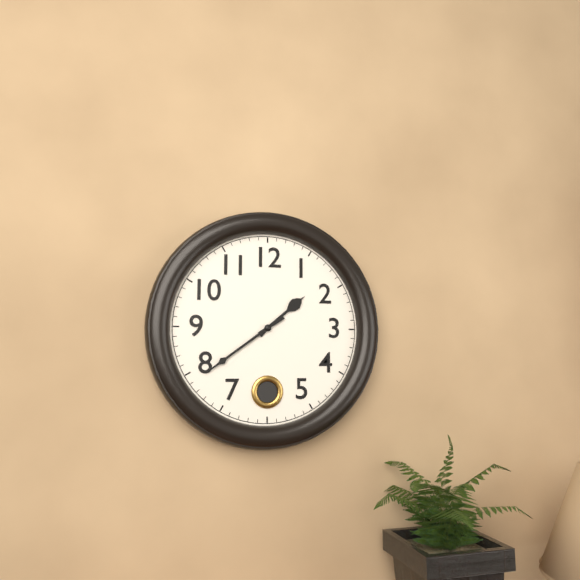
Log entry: **1:39**
